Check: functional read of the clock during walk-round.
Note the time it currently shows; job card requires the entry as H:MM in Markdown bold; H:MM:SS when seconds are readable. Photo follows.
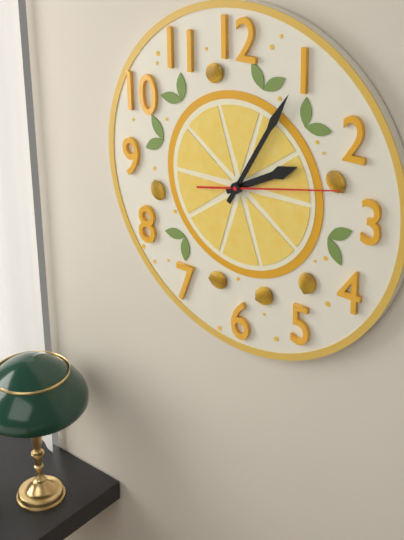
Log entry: **2:05:13**
